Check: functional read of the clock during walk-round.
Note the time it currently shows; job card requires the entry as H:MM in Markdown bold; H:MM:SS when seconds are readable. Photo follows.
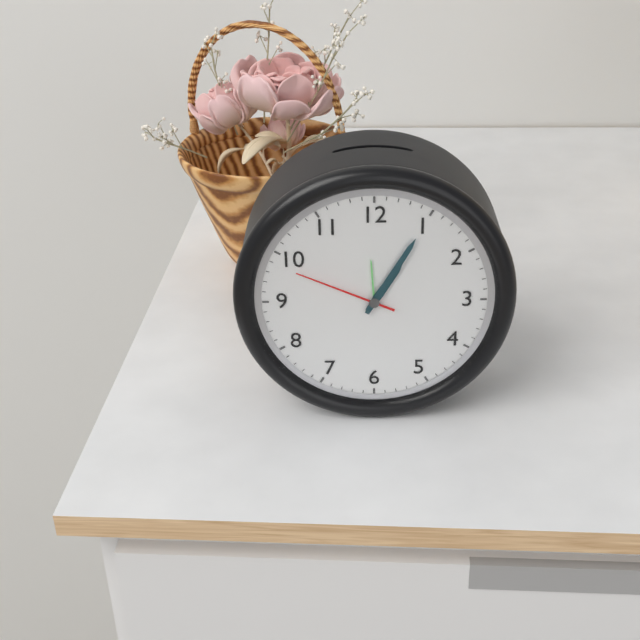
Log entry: **1:05:49**
